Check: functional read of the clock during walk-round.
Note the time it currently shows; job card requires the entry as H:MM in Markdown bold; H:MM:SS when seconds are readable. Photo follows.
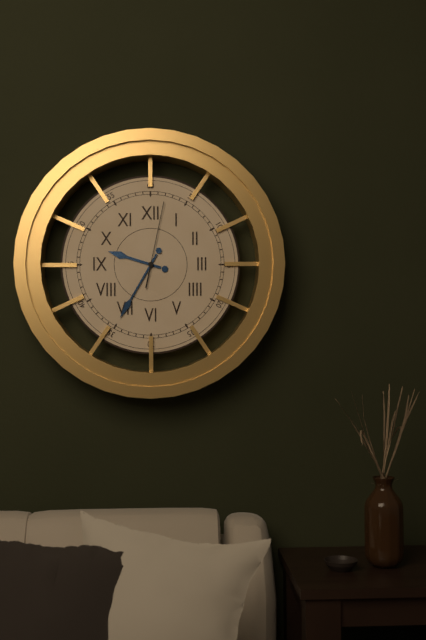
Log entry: **9:35:02**
